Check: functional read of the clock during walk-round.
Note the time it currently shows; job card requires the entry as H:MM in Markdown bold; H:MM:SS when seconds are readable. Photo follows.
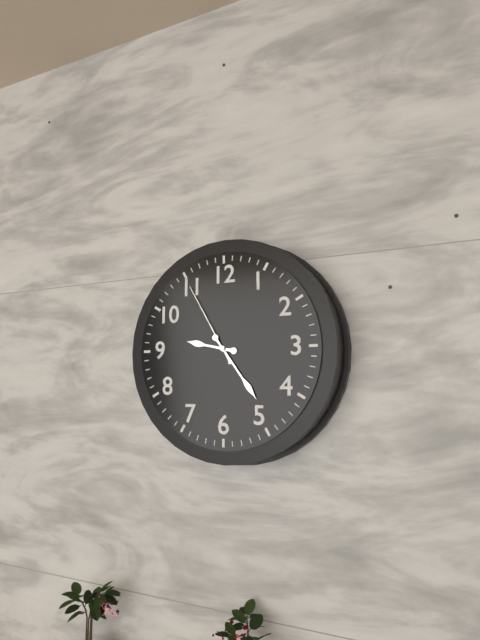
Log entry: **9:24:55**
